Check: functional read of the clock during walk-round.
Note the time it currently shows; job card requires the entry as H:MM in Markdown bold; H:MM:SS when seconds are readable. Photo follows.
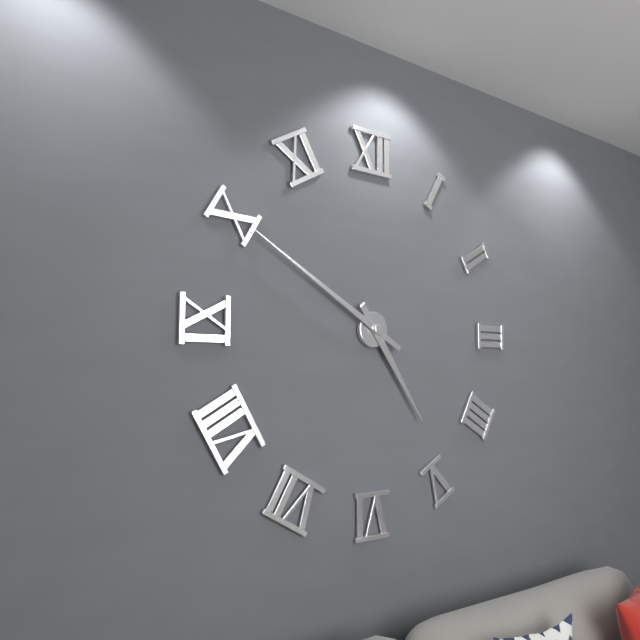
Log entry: **4:50**
